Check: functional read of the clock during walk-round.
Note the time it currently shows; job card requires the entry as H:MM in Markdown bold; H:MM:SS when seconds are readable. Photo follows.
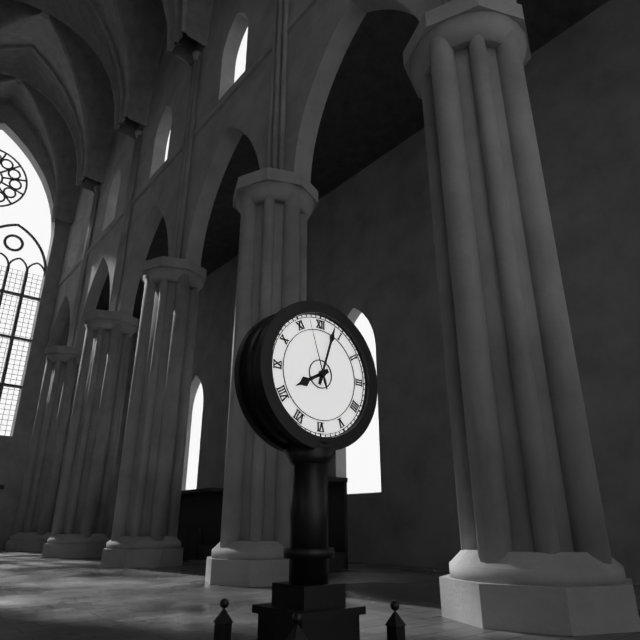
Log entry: **8:03:57**
